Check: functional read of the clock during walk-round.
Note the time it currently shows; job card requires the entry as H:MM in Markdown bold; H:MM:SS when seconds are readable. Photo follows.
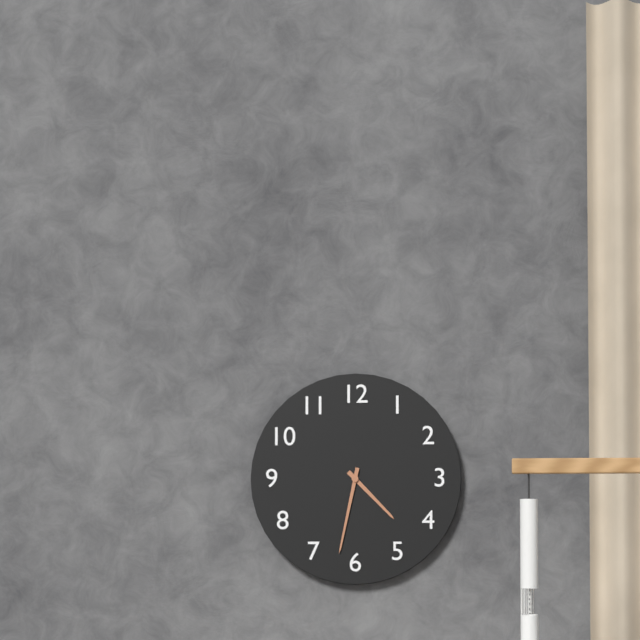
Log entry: **4:32**
